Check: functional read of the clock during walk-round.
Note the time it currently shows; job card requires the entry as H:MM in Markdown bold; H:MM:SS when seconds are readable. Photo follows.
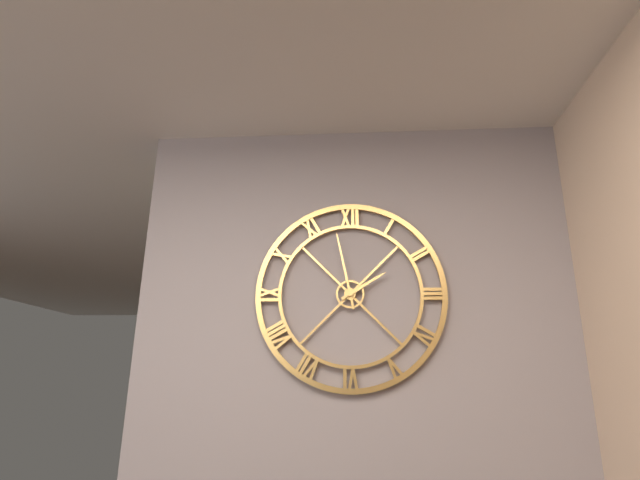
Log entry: **1:58**
